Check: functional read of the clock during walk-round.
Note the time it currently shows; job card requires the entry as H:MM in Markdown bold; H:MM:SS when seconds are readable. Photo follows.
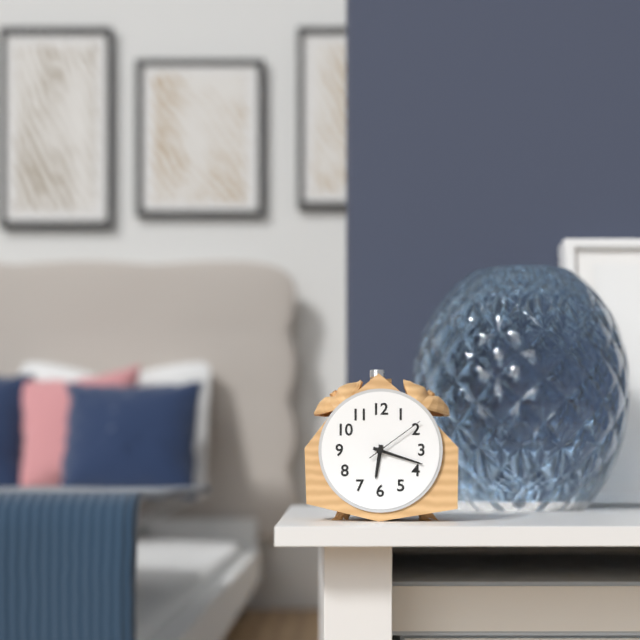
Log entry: **6:18:09**
